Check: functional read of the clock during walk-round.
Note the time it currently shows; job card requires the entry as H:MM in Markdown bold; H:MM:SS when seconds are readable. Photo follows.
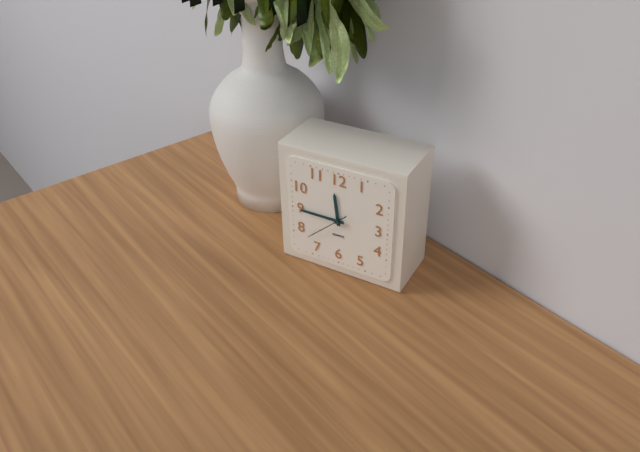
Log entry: **11:45**
